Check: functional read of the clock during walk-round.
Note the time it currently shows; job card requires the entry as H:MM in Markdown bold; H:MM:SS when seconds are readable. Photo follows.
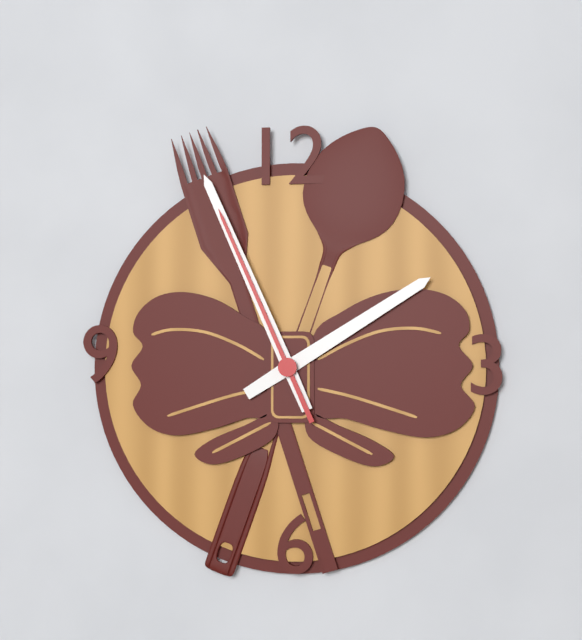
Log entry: **1:56:56**
